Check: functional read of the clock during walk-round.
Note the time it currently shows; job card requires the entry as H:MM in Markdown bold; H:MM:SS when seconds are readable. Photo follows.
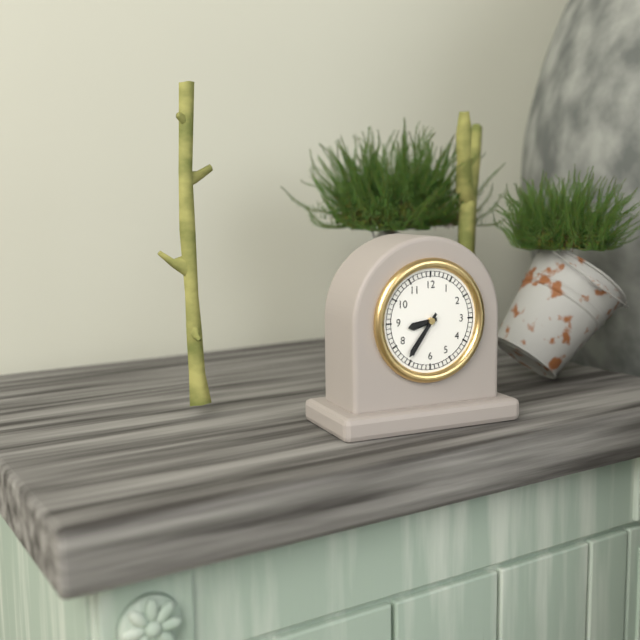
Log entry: **8:36**
